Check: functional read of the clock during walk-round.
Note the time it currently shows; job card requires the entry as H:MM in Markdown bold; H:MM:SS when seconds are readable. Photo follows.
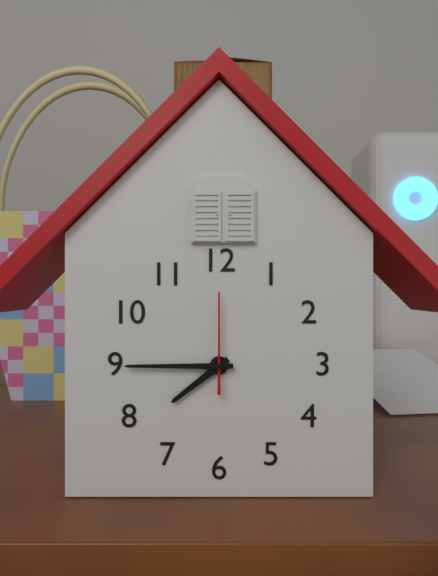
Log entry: **7:45:00**
